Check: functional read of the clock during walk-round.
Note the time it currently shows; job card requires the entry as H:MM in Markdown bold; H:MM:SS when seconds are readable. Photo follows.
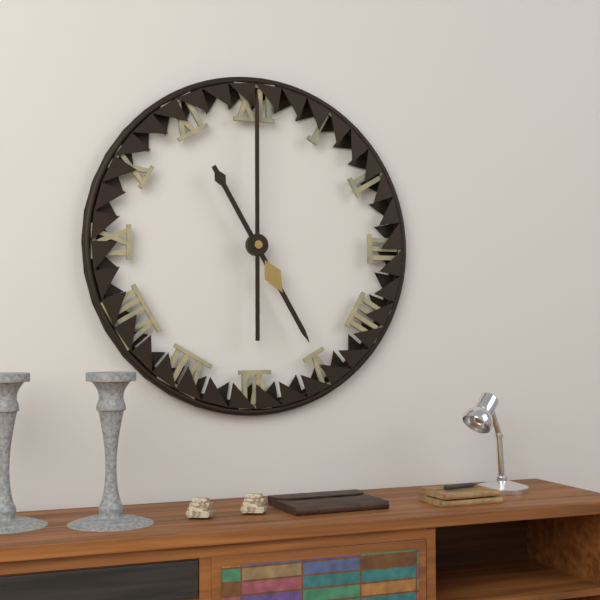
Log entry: **5:00**
